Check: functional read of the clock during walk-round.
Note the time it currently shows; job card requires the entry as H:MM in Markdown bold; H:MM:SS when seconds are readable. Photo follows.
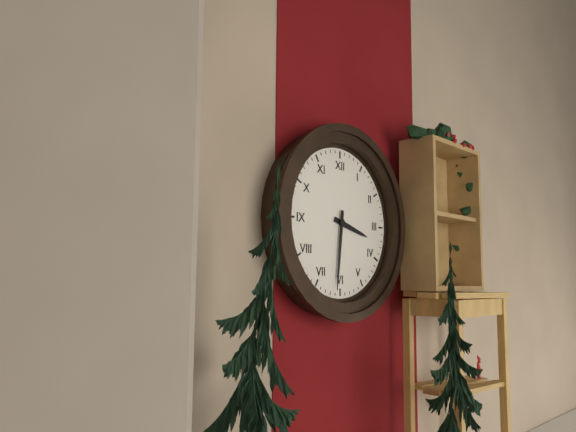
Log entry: **3:31**
